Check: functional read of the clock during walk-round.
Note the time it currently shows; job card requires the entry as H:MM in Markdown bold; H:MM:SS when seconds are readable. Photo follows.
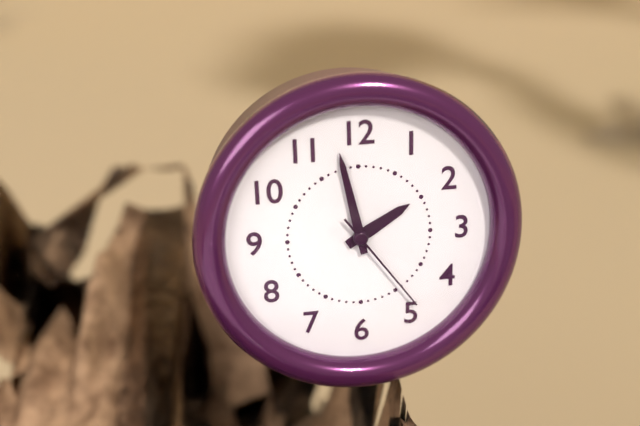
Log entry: **1:58:24**
